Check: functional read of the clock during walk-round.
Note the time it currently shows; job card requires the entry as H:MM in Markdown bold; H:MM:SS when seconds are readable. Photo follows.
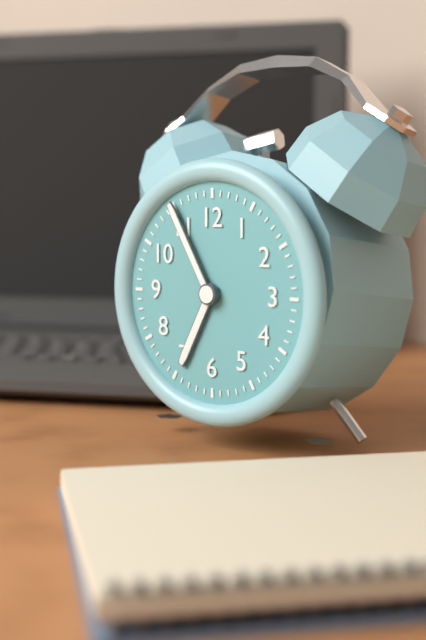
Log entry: **6:55**
